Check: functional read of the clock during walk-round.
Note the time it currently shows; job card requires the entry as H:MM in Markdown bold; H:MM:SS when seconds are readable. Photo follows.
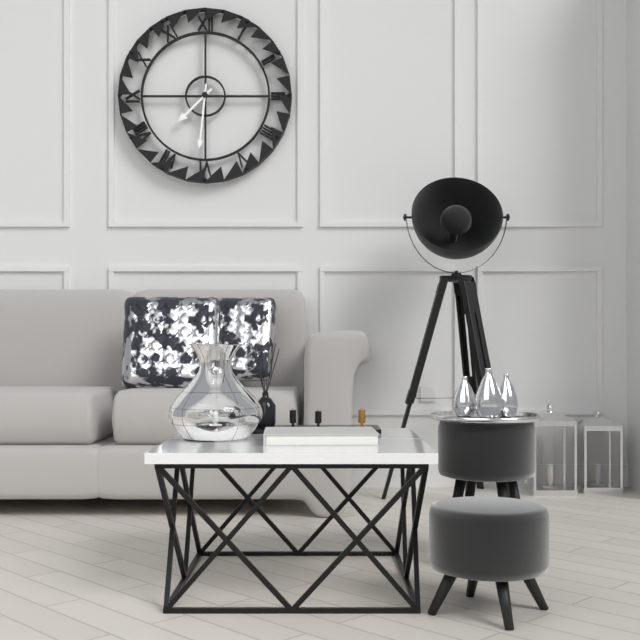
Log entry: **7:31**
